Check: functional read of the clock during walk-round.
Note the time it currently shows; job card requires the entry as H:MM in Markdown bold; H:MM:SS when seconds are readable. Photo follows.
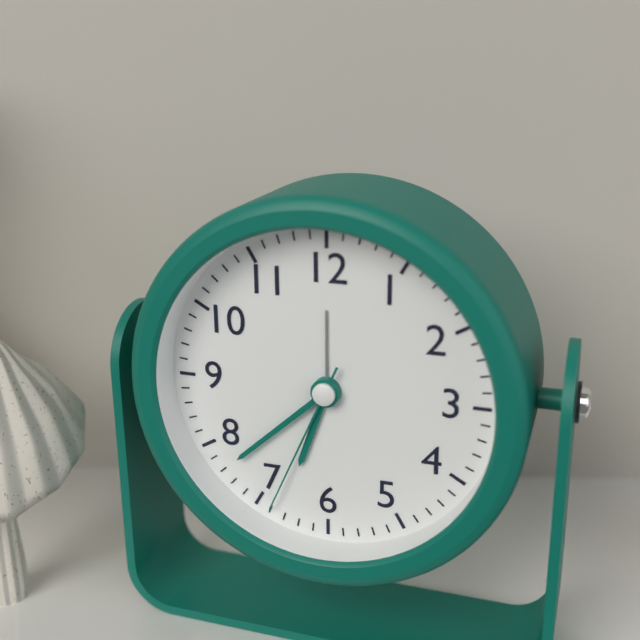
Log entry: **6:38:34**
